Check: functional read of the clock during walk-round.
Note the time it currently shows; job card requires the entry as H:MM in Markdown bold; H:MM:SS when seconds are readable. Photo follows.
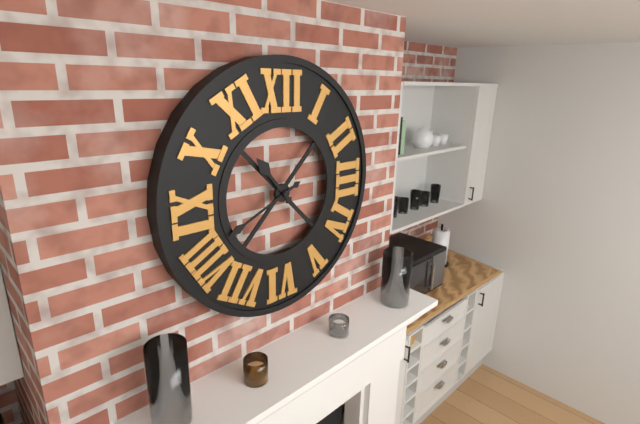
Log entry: **10:41**
